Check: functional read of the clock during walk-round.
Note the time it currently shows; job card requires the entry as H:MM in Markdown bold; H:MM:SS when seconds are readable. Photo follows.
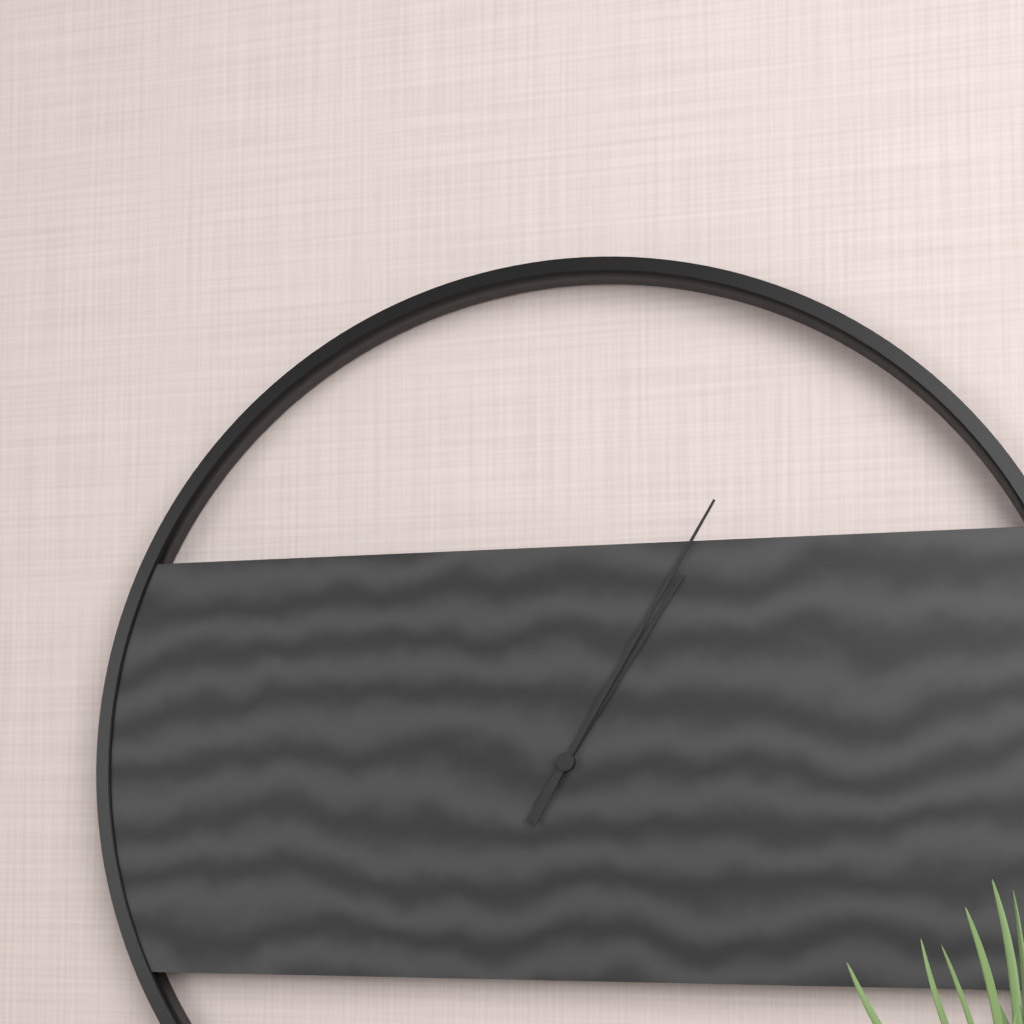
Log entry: **1:05**
